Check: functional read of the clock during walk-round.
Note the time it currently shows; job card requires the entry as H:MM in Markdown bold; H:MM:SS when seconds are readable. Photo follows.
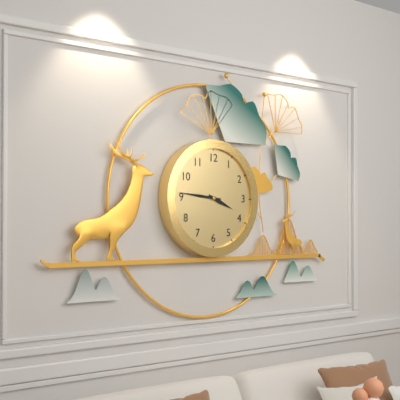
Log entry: **3:46**
